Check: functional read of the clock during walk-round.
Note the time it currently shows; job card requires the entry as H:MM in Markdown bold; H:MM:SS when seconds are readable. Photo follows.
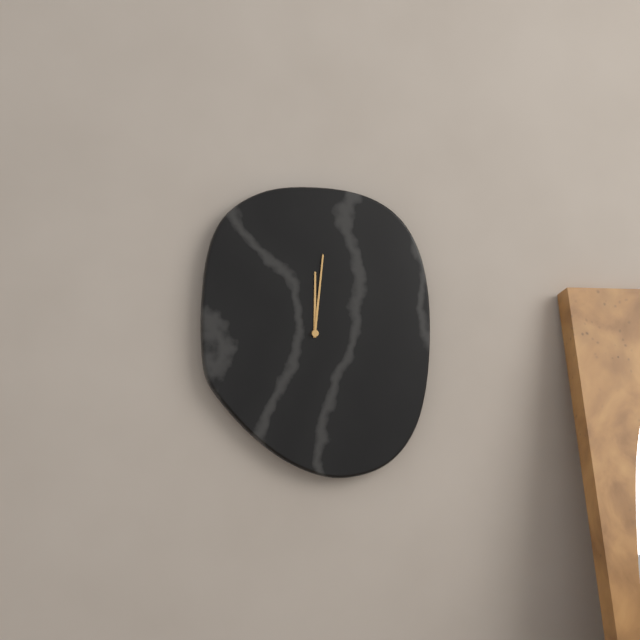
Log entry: **12:01**
